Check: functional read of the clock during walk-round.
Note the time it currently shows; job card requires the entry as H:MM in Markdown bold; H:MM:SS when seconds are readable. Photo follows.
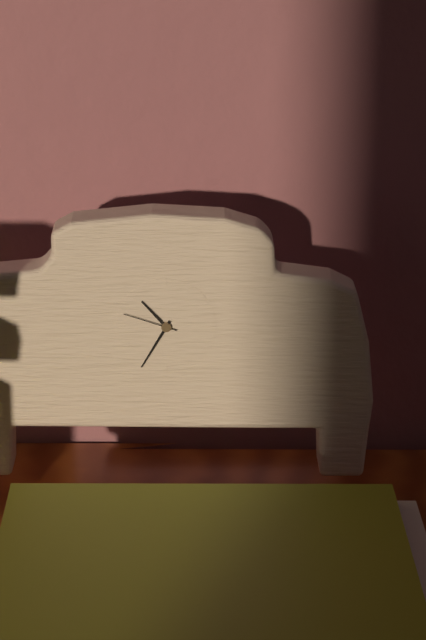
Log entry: **10:35:48**
